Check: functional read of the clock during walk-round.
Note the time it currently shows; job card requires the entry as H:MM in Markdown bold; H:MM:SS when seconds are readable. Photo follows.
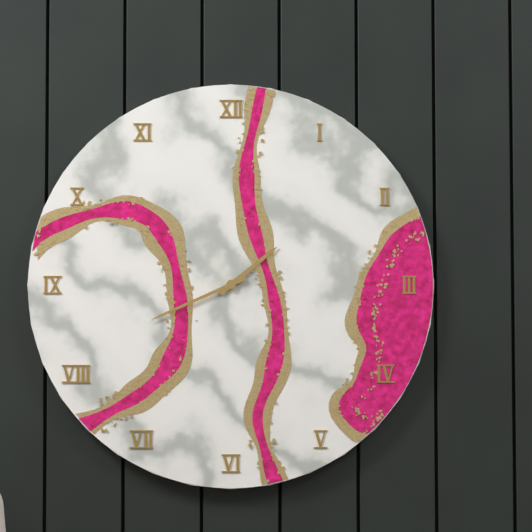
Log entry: **1:41**
